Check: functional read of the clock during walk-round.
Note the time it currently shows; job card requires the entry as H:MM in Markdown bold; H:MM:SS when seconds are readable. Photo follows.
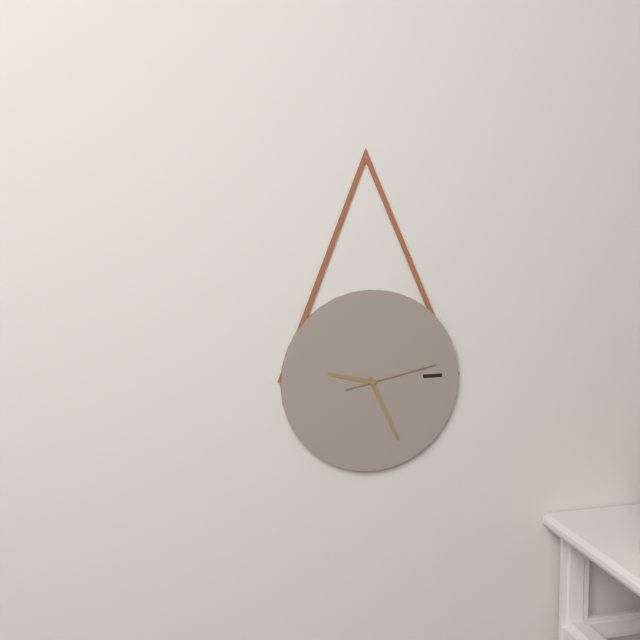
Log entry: **9:26:13**
